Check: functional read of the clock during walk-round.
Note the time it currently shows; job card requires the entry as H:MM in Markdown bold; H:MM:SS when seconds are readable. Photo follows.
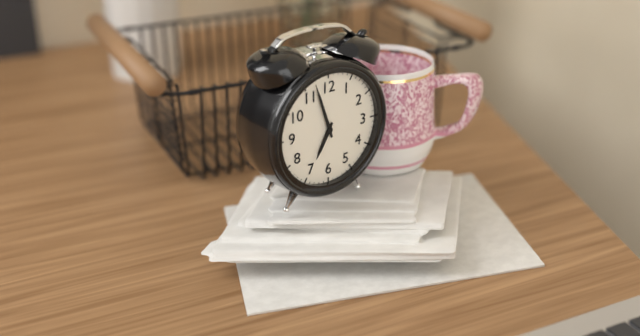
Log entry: **6:57**
